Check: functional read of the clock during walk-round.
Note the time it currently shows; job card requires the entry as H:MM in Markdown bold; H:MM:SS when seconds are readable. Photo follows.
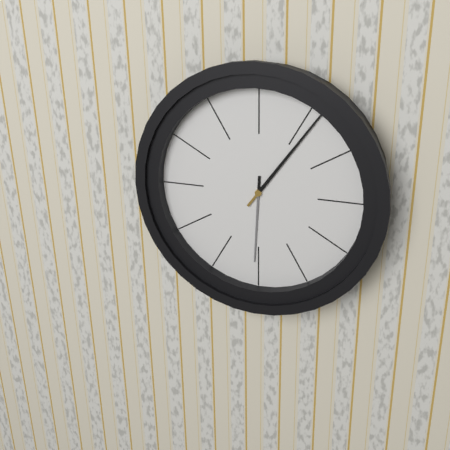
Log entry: **6:06**
